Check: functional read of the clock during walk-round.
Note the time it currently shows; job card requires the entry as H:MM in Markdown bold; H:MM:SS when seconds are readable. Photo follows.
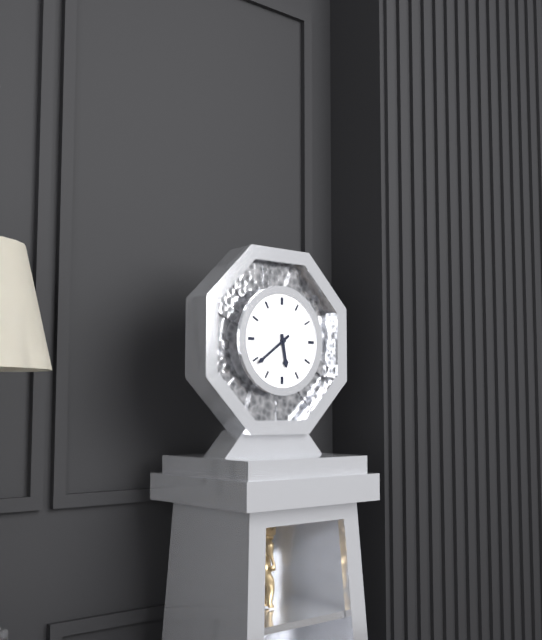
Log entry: **5:39**
